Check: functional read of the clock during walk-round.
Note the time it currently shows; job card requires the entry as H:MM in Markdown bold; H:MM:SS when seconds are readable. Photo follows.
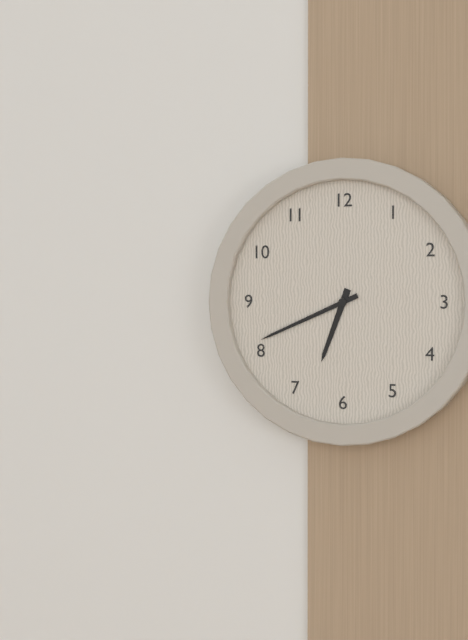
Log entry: **6:41**
